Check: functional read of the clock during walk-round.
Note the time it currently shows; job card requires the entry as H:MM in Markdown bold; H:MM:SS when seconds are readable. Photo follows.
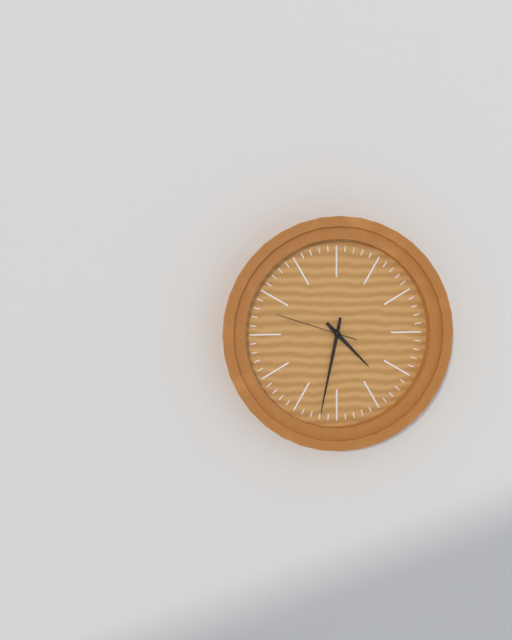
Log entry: **4:32:48**
